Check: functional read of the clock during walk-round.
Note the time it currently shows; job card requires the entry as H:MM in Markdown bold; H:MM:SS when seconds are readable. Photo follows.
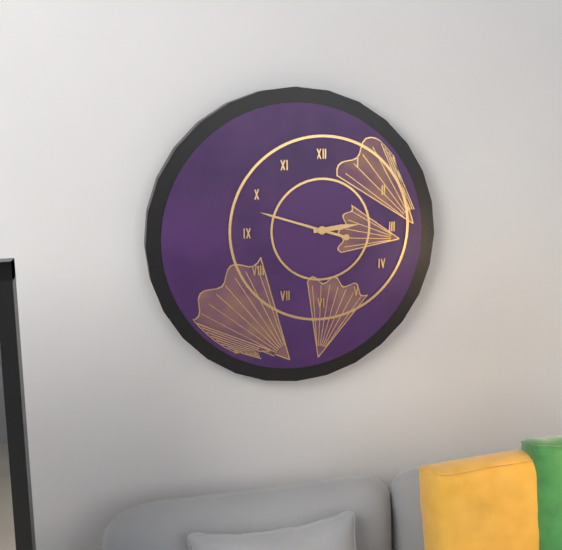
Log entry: **2:48**
